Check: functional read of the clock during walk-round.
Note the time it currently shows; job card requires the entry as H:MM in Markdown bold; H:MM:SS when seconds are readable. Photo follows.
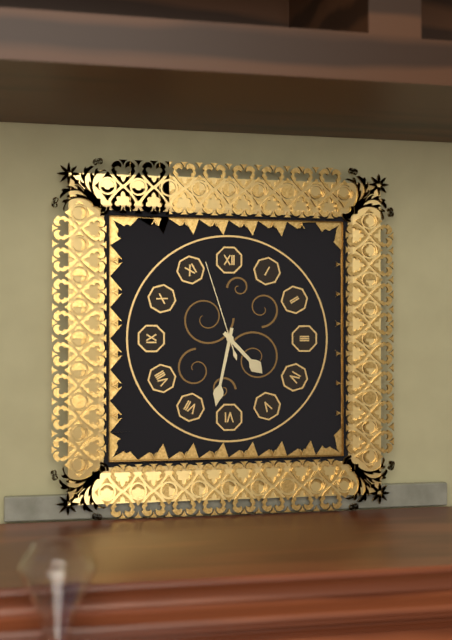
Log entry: **4:32:57**
